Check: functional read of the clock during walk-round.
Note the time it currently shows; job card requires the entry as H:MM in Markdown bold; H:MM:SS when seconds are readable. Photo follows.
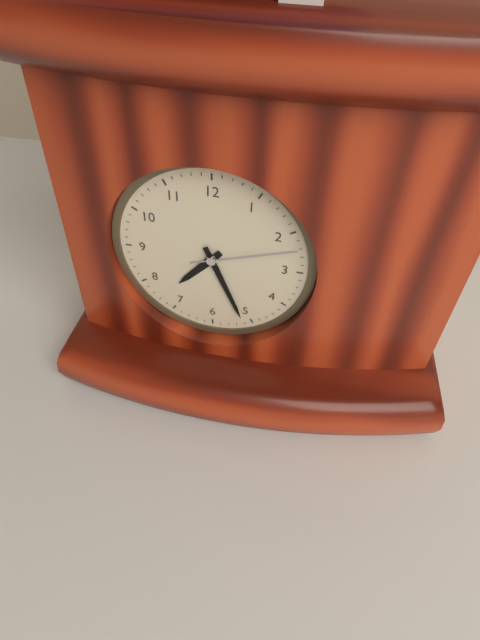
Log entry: **7:26:12**
